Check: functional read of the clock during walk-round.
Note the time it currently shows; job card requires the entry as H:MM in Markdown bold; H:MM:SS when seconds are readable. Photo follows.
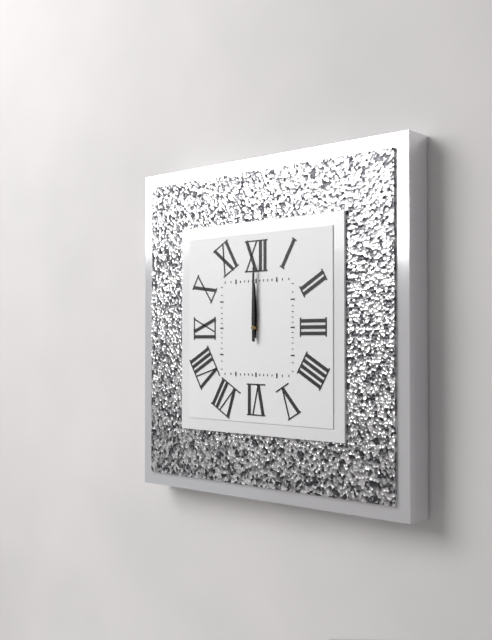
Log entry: **12:00**
